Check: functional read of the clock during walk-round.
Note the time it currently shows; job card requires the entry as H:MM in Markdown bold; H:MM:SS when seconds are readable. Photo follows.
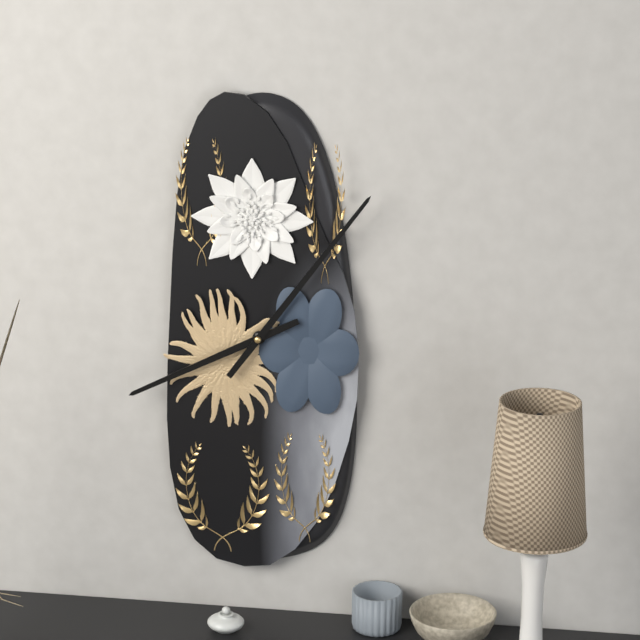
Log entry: **8:06**
